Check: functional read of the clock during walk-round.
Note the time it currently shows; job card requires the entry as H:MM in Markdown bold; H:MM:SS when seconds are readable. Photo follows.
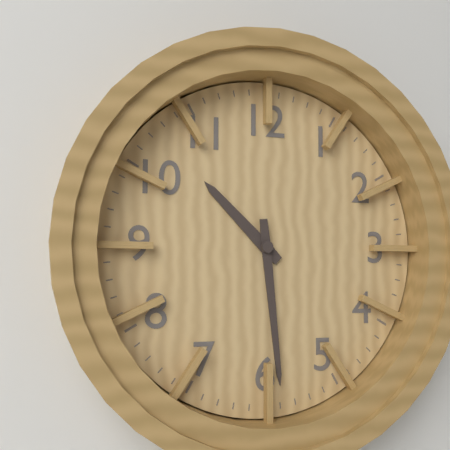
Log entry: **10:29**
